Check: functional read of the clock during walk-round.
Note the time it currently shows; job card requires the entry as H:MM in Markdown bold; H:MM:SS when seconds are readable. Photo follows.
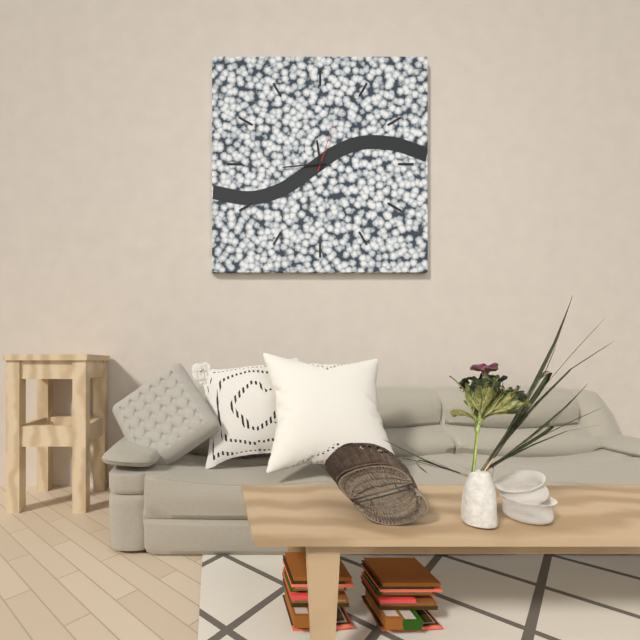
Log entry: **11:44:03**
